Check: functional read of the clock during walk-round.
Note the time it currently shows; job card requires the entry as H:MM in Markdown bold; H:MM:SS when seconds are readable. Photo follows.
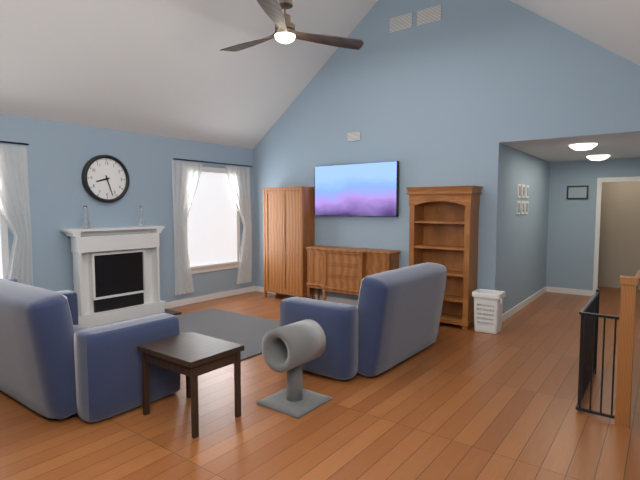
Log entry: **8:27**
